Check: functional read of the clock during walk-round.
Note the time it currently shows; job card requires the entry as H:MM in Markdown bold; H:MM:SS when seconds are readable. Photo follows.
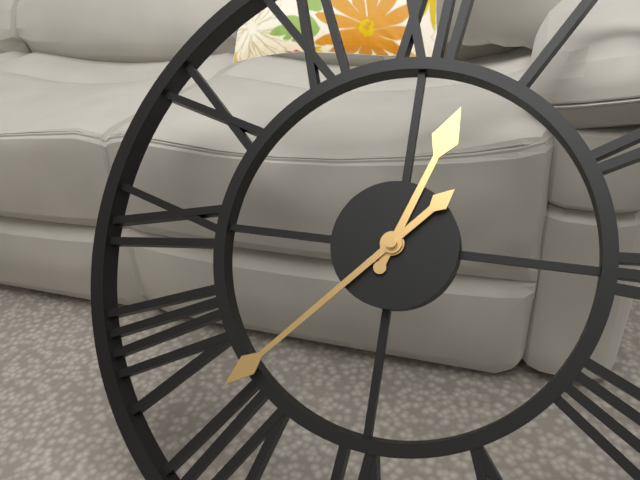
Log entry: **12:37**
